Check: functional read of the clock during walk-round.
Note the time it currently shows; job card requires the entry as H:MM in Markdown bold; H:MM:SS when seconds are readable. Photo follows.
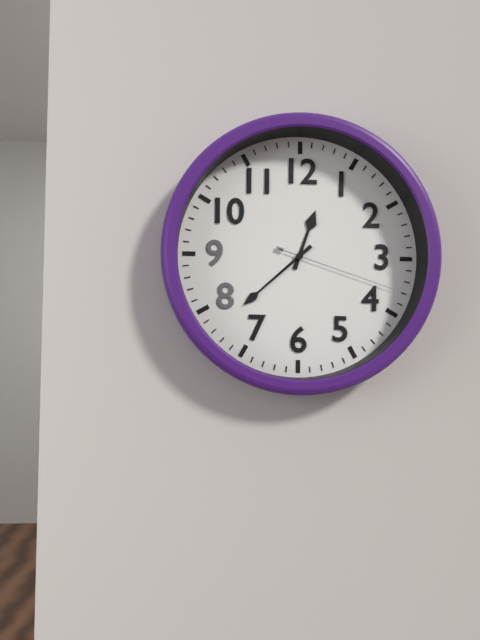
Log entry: **12:38:18**
